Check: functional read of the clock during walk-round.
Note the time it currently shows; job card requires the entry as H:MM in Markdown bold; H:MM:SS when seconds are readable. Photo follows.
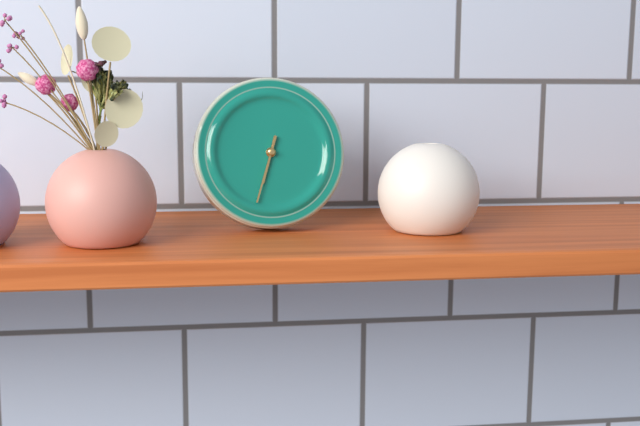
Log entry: **6:33**
